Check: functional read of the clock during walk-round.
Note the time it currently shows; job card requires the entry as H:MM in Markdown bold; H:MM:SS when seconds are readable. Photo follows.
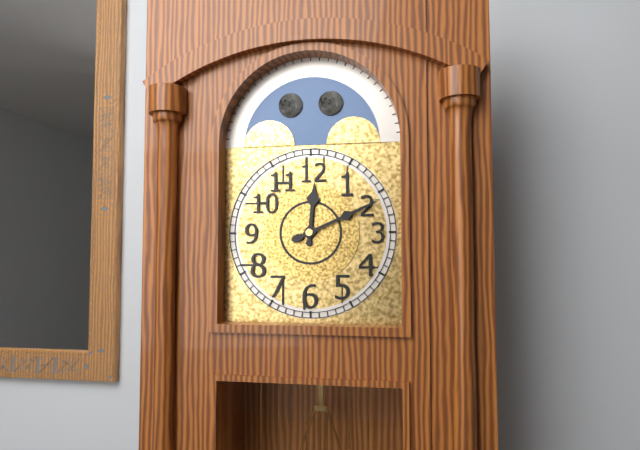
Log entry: **12:11**
